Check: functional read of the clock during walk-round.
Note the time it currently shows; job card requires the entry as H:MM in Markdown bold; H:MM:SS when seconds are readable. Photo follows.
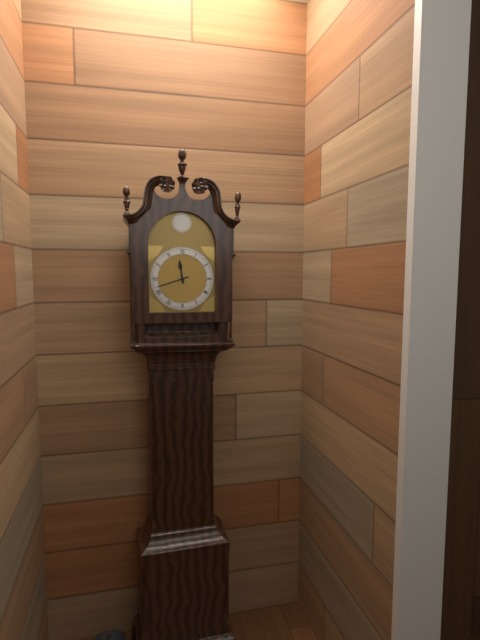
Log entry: **11:42**
